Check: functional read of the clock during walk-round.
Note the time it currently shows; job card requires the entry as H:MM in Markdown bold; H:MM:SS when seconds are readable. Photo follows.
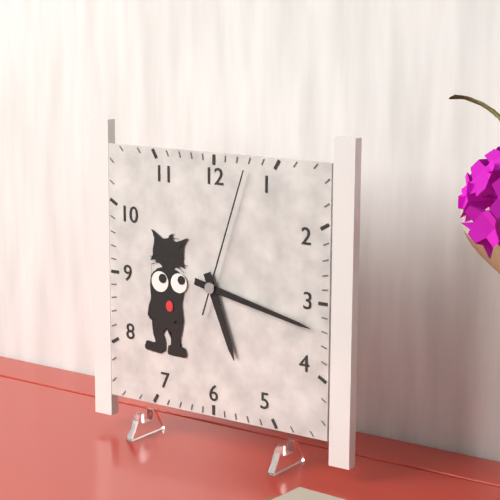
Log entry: **5:17:03**
